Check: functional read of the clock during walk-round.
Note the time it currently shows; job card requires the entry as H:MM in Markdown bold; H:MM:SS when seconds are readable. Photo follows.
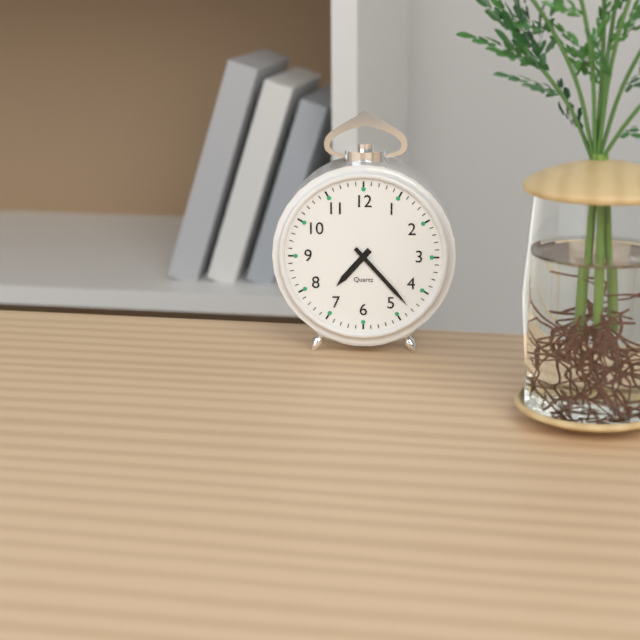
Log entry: **7:23**
